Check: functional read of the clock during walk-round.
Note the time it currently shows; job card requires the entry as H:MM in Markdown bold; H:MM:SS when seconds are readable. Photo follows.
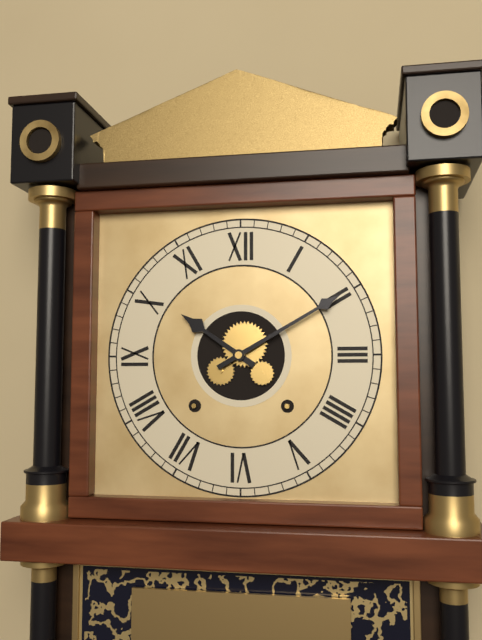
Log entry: **10:10**
